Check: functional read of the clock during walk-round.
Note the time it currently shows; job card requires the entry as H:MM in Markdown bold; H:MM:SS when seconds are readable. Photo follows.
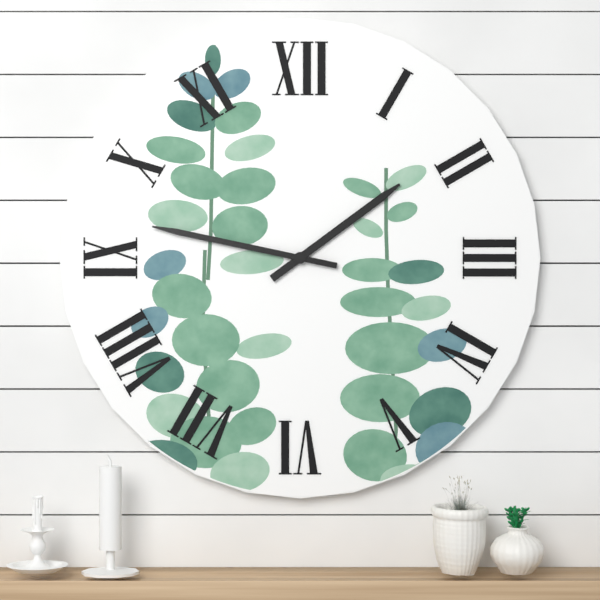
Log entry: **1:47**
